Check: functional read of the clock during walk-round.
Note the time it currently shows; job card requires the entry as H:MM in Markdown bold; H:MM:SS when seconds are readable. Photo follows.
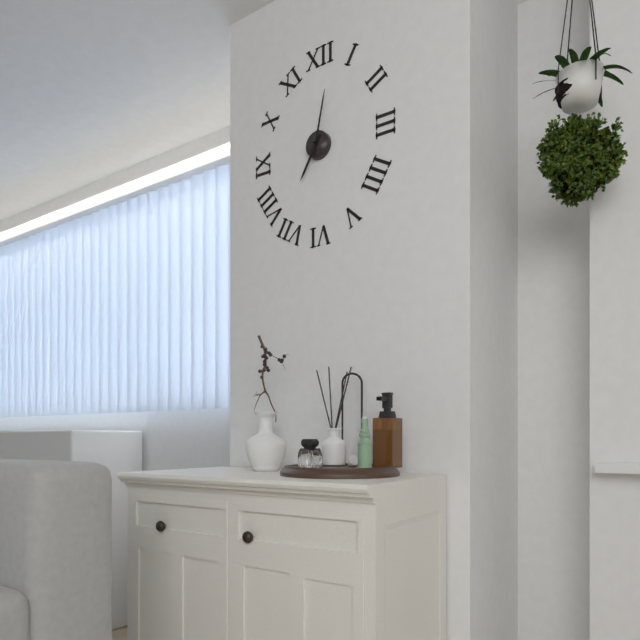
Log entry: **7:02**
